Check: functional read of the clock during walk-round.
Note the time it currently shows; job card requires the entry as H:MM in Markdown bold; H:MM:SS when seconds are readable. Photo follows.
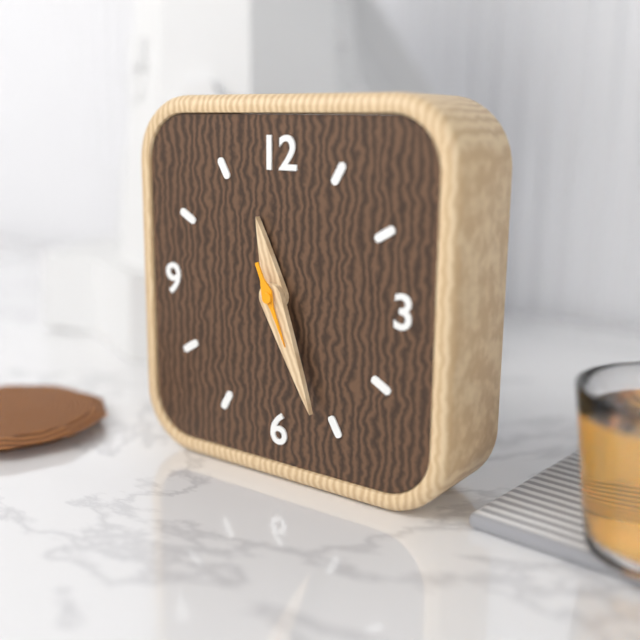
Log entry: **11:26:26**
